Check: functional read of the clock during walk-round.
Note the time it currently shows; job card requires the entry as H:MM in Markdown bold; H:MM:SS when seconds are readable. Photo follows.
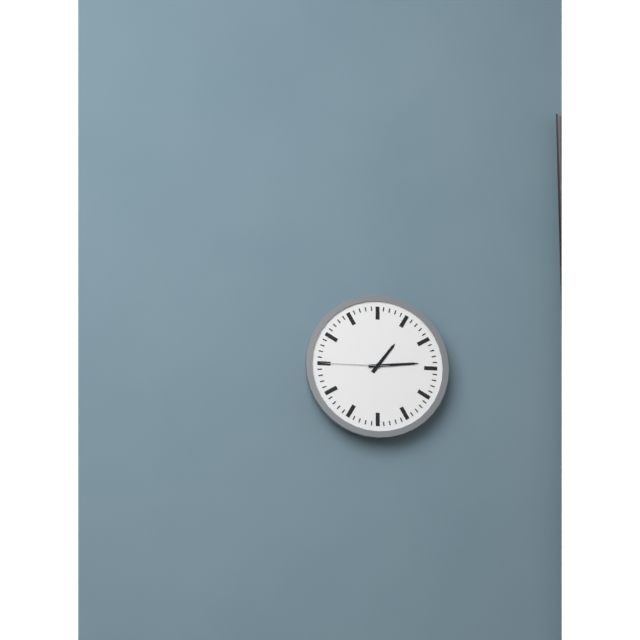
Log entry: **1:14:45**
